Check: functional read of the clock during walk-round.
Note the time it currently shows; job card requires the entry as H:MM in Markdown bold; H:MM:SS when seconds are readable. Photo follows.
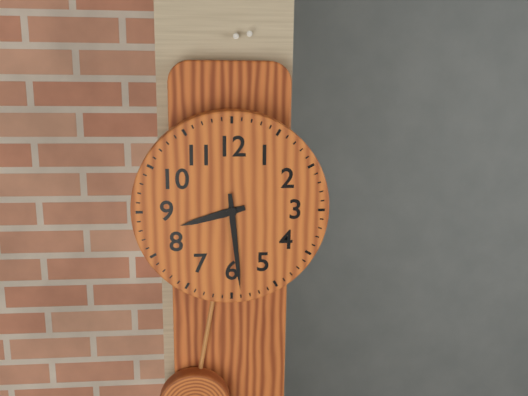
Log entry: **8:29**
